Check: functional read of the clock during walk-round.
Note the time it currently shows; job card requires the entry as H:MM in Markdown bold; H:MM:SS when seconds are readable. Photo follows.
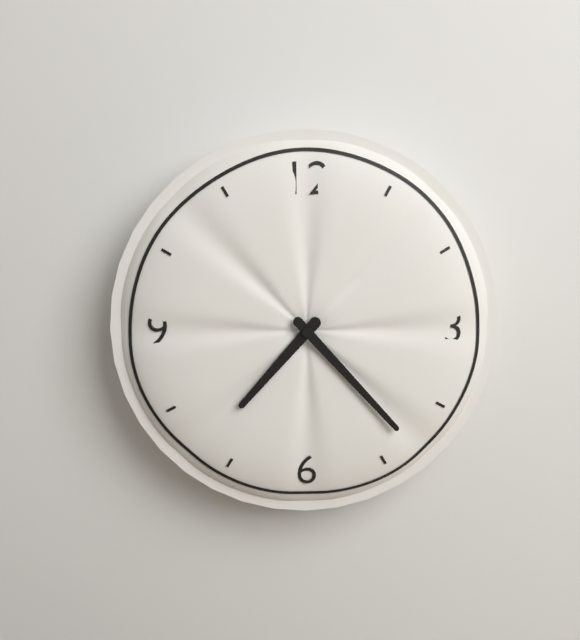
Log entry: **7:23**
